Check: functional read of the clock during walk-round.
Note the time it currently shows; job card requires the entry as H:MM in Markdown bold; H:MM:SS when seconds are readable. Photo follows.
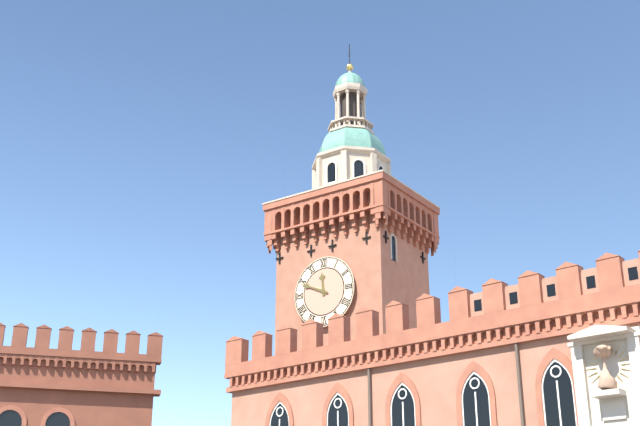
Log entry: **11:49**
